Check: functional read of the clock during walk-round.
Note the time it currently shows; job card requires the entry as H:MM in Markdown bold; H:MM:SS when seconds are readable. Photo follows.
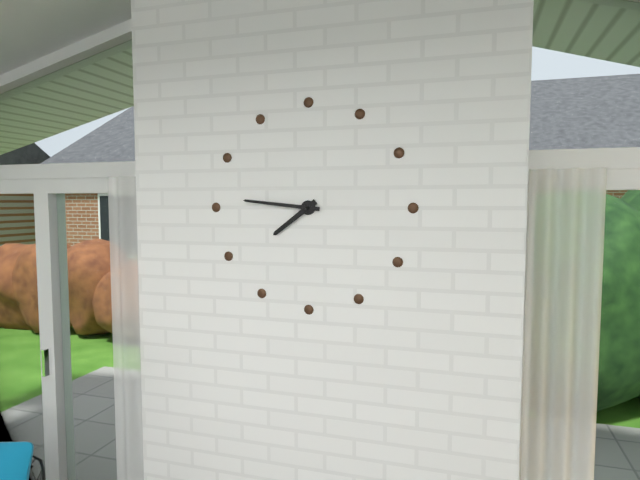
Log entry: **7:46**
